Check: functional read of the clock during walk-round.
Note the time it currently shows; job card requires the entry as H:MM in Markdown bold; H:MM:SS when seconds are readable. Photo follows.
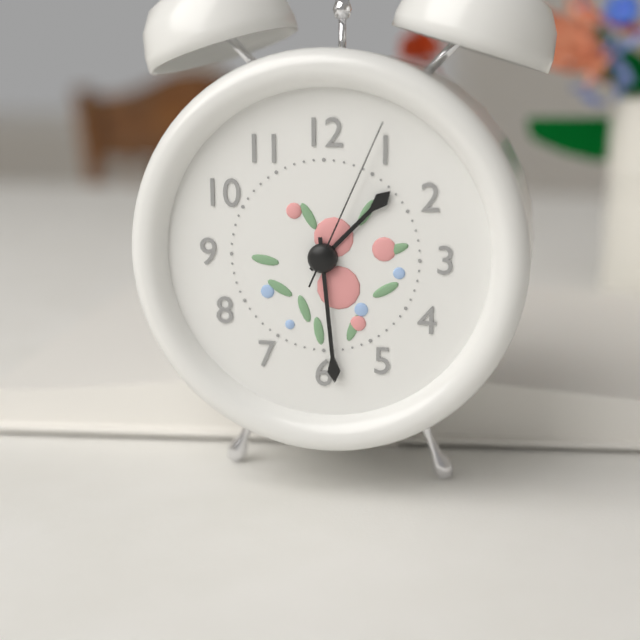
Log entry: **1:29:04**
